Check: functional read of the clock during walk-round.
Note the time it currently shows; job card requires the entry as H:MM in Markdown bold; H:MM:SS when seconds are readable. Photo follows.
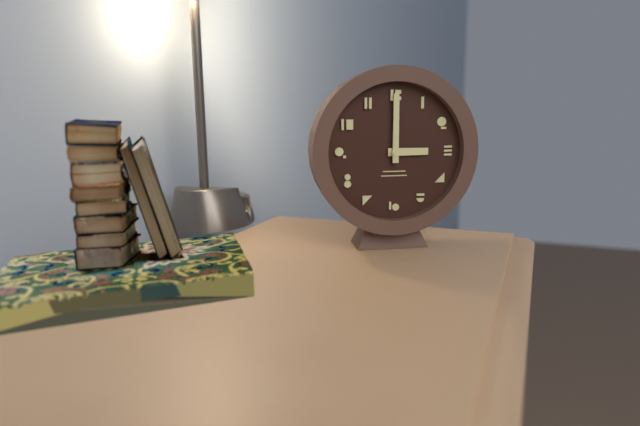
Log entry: **3:00**
